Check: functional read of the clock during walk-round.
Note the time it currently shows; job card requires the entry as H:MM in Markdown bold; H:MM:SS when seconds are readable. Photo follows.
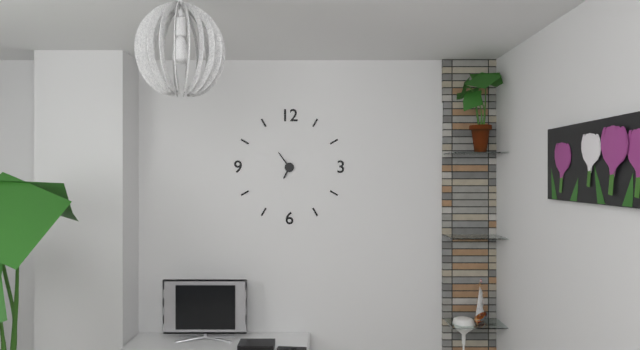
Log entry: **6:54**
